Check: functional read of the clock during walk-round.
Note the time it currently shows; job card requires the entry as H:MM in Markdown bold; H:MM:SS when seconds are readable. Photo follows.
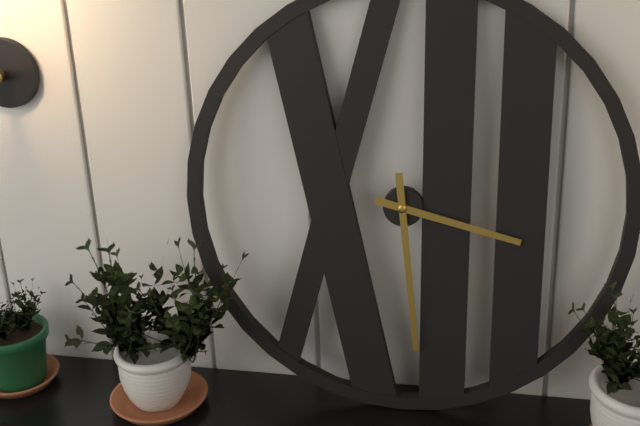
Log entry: **3:29**
